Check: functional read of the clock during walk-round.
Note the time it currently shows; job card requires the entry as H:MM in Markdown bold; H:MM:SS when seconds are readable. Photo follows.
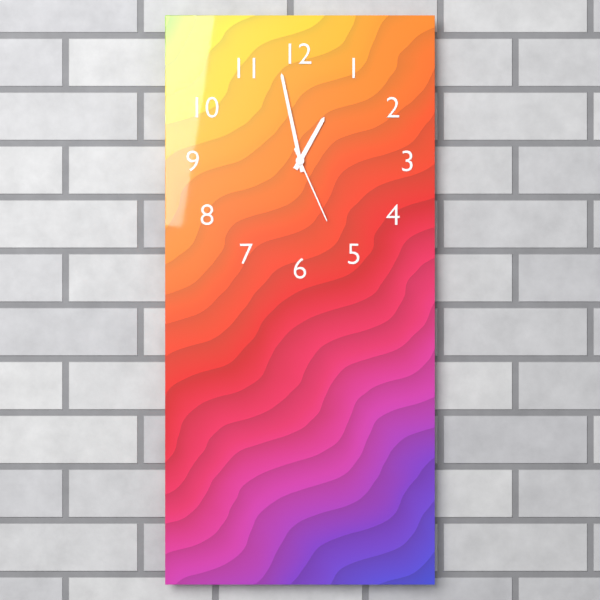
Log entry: **12:58:26**
